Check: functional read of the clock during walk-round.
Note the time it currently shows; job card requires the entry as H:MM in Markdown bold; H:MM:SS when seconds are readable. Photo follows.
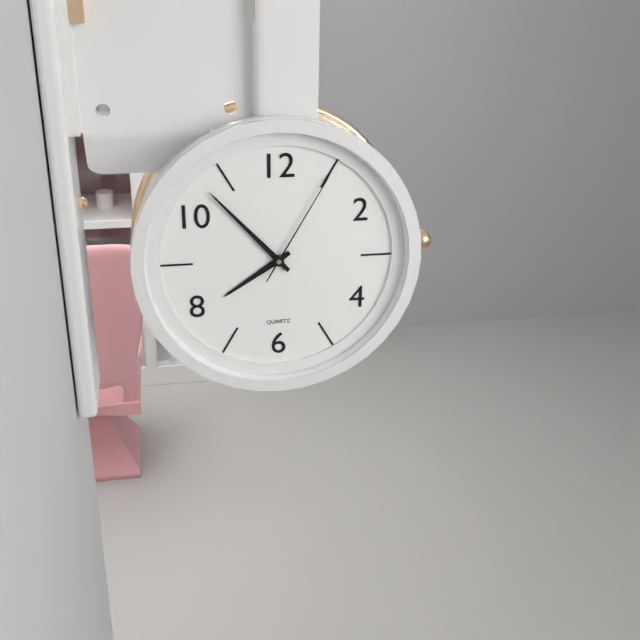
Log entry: **7:53:05**
